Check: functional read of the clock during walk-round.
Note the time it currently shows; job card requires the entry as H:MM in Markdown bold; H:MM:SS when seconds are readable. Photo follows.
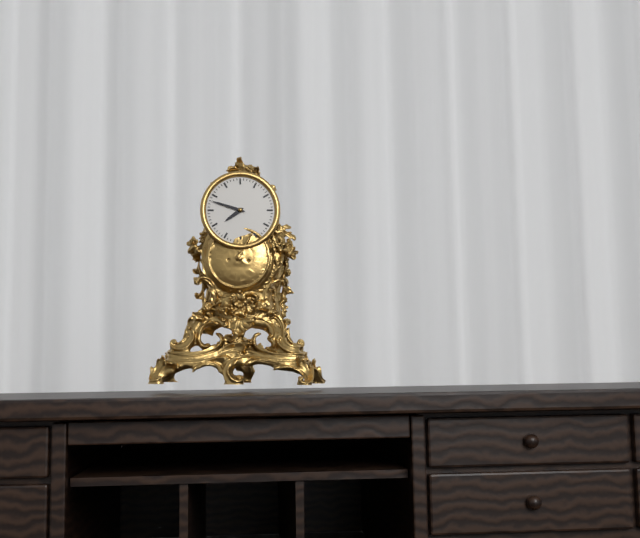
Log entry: **7:48**
